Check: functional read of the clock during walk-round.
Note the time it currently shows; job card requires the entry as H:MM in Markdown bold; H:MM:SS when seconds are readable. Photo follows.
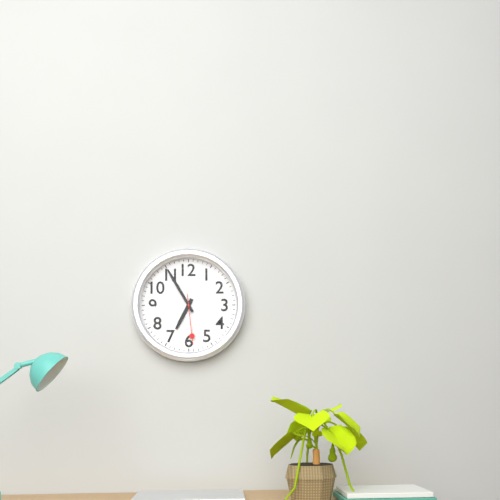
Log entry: **6:55:29**
